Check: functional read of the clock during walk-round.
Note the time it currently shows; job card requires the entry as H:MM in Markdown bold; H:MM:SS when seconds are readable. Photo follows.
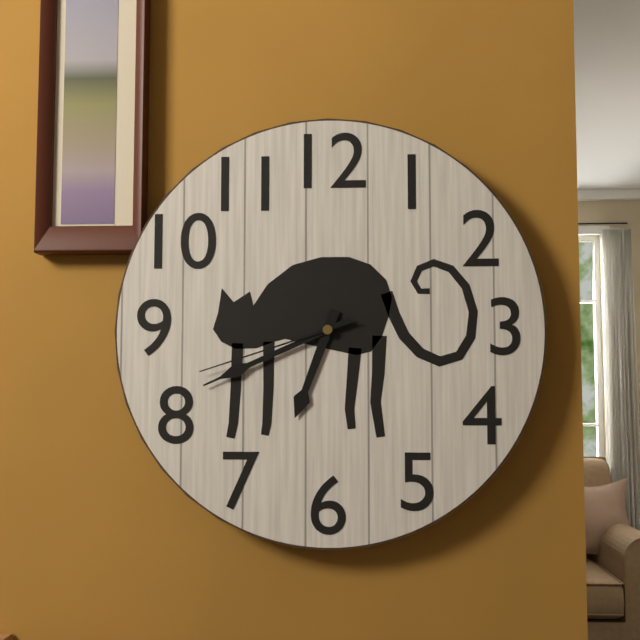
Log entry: **6:41:42**
